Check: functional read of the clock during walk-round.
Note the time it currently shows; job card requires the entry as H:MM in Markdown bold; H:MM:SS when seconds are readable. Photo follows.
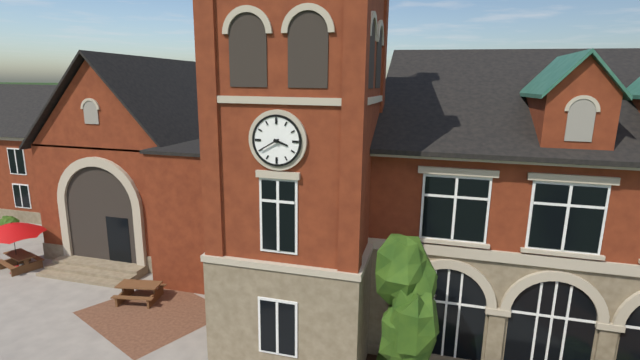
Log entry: **3:40**
